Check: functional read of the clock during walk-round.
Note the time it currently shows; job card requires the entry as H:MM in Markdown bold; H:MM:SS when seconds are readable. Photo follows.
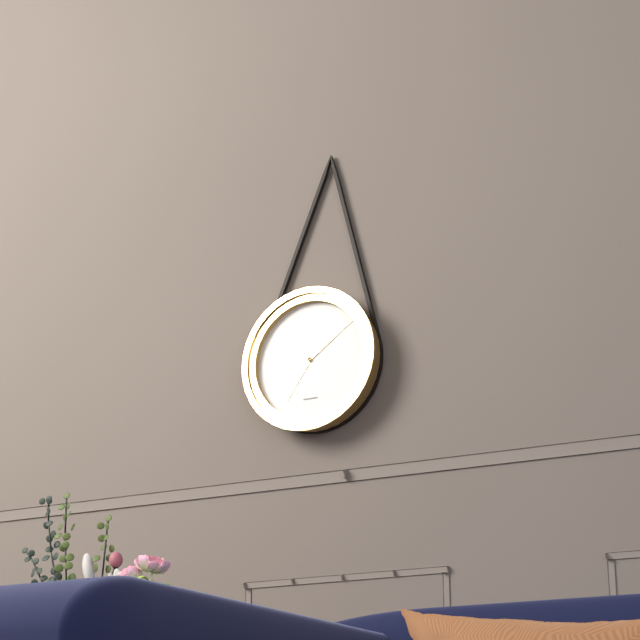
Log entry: **7:09**
